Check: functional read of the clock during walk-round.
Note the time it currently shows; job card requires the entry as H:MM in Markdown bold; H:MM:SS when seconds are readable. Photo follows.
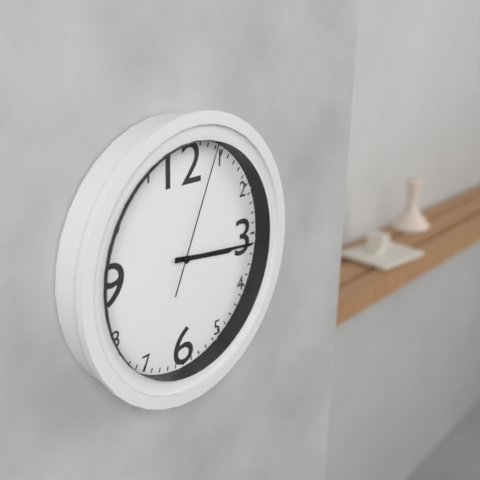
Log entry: **3:16:04**
